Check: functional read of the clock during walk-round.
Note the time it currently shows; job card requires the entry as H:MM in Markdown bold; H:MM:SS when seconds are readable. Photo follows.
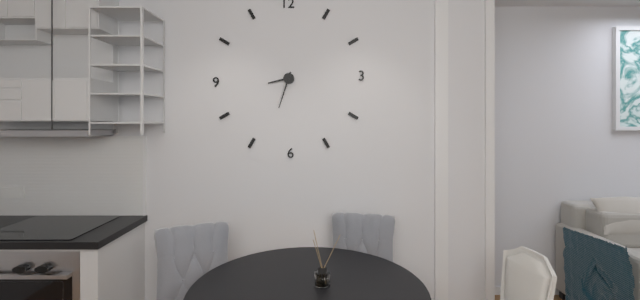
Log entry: **8:33**
